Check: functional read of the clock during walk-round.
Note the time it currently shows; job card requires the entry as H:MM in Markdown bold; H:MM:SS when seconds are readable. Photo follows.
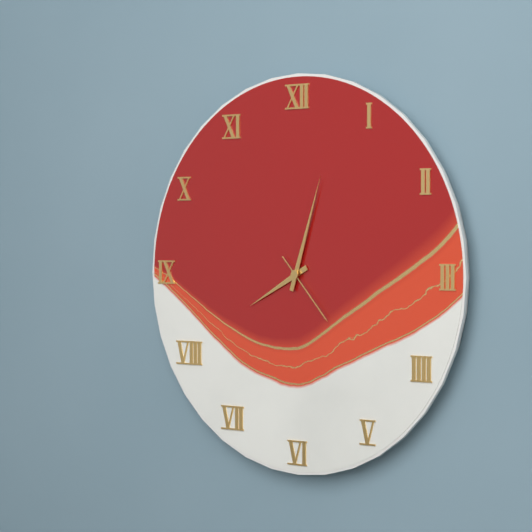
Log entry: **8:03:23**
